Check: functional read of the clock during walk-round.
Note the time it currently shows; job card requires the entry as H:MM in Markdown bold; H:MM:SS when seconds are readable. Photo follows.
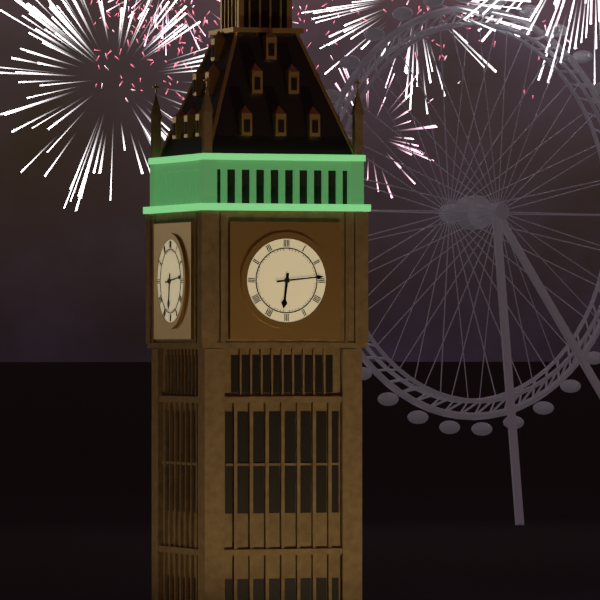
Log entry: **6:14**
